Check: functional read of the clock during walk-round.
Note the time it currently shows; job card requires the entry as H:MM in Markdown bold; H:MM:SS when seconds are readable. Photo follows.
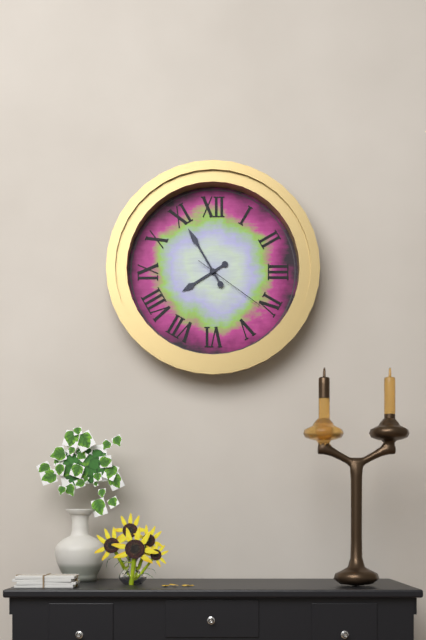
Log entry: **7:55:21**
